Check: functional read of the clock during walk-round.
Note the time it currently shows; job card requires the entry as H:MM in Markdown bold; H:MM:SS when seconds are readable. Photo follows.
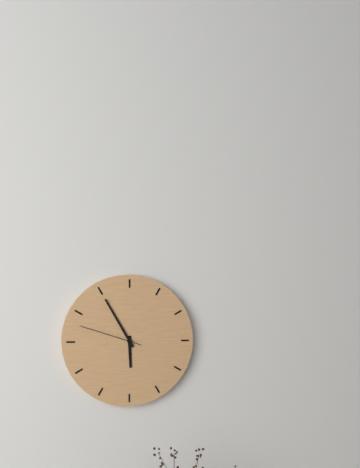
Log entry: **5:55:48**
